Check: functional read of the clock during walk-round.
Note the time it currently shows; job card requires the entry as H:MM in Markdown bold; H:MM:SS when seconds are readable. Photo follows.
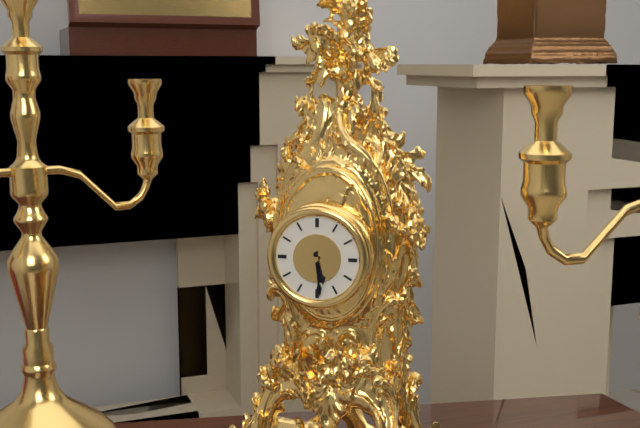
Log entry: **5:29**
